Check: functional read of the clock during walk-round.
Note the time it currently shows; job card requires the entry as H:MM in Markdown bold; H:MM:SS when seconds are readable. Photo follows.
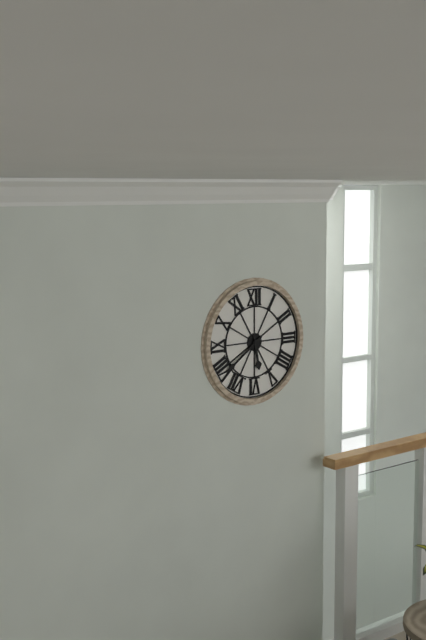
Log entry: **5:39**
